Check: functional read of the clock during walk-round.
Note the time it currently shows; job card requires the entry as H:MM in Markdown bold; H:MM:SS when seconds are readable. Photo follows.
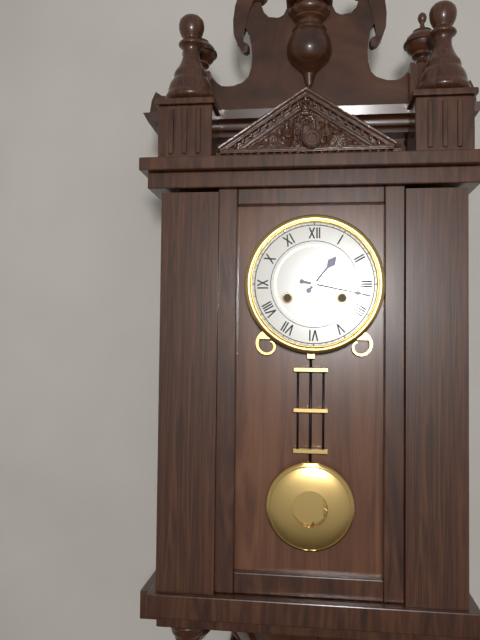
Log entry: **1:17**
